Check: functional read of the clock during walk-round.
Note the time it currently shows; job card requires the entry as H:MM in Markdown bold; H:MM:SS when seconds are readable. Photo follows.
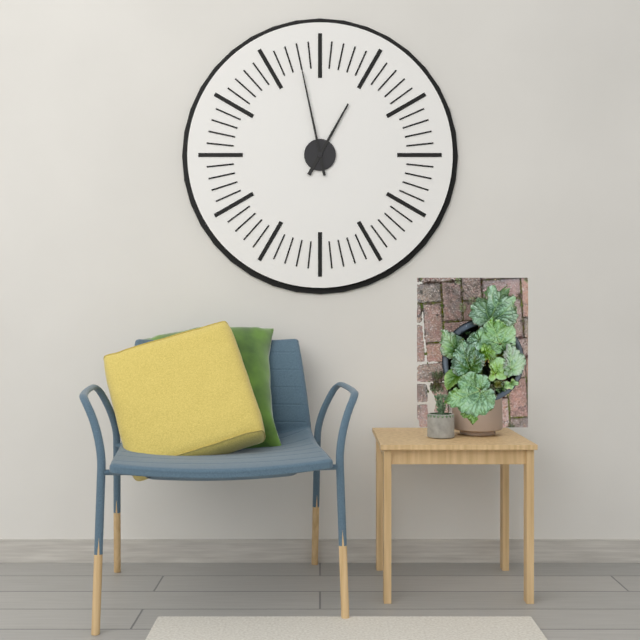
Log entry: **12:58**
